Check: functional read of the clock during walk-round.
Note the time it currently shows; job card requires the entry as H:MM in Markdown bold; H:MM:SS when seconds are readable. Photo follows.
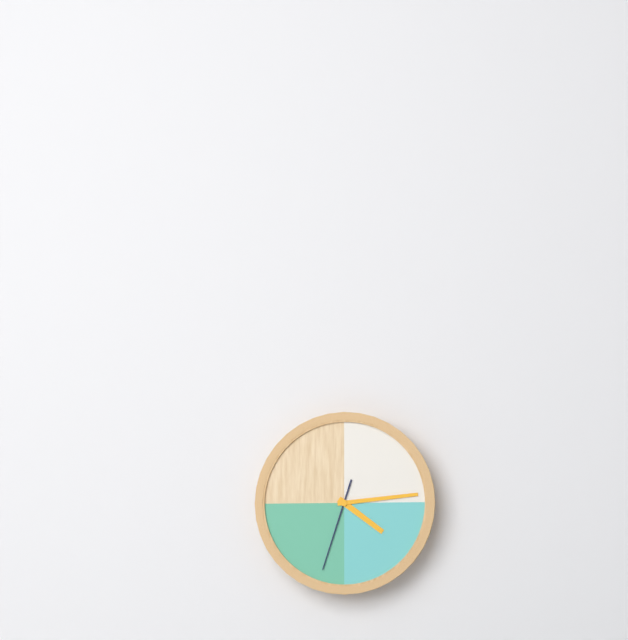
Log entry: **4:14:33**
